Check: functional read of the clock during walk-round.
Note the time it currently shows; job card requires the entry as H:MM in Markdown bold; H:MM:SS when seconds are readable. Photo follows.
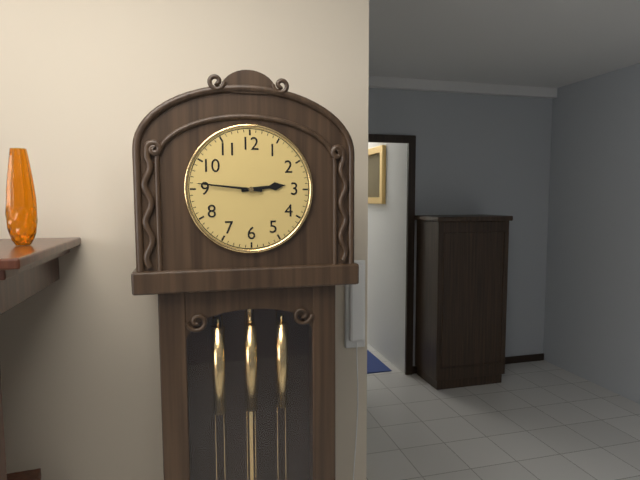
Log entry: **2:46**
